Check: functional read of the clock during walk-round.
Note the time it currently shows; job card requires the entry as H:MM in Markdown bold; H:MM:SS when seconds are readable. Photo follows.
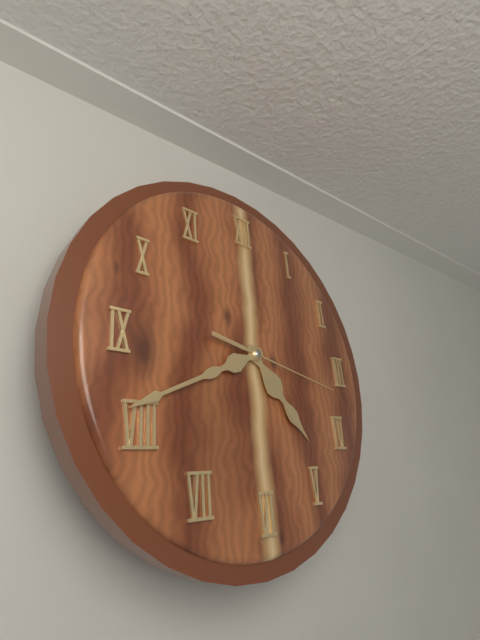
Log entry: **4:41:17**
